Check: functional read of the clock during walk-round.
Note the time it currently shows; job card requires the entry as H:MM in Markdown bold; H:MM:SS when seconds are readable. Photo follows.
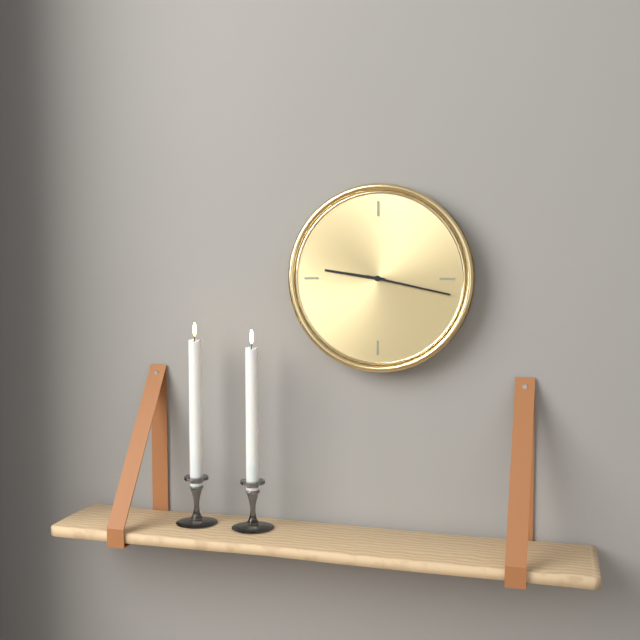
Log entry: **9:17**
